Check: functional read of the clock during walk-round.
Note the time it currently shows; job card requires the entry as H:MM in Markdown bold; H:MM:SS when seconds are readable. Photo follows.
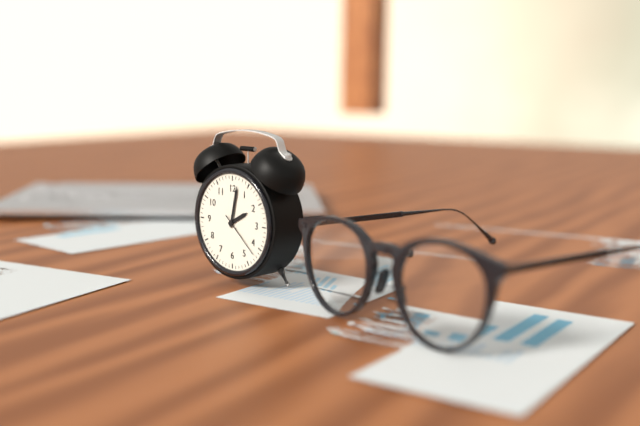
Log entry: **2:02**
